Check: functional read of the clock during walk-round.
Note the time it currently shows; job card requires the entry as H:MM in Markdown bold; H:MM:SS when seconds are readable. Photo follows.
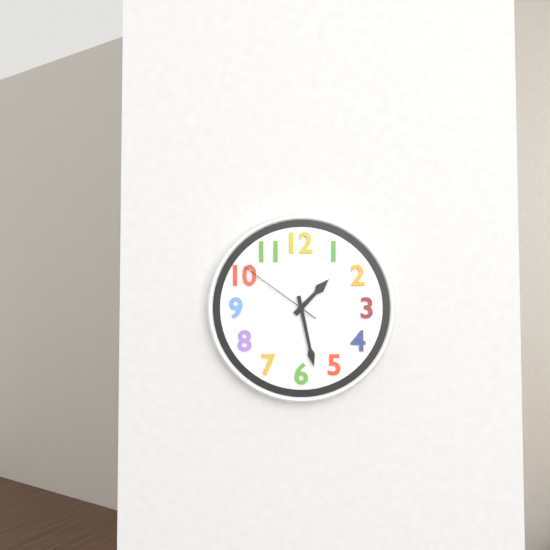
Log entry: **1:28:51**
